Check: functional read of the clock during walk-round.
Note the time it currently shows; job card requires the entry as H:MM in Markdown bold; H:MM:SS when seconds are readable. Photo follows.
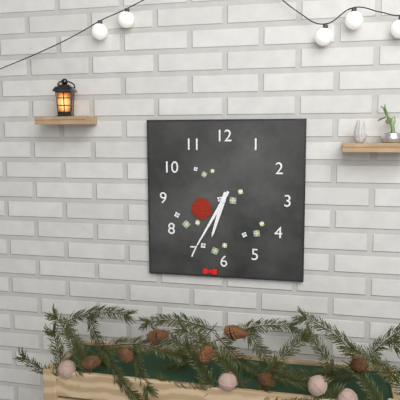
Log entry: **6:35**
